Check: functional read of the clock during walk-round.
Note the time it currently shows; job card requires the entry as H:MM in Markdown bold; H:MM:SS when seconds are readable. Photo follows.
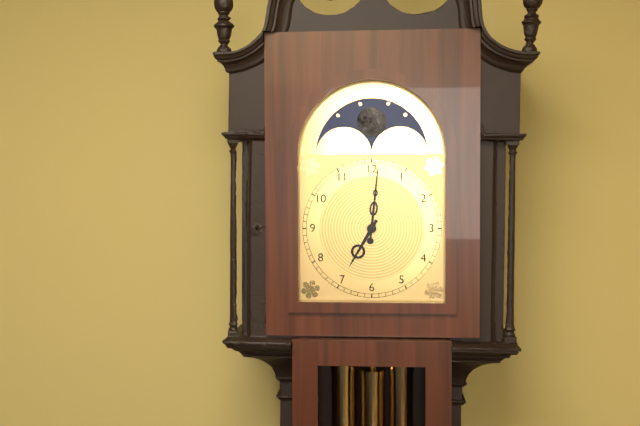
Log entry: **7:01**
